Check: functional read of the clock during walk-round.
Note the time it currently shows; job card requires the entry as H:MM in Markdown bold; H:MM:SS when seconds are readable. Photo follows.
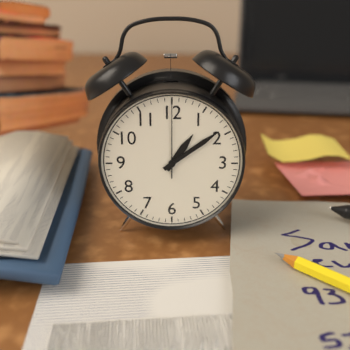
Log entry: **1:09:00**
